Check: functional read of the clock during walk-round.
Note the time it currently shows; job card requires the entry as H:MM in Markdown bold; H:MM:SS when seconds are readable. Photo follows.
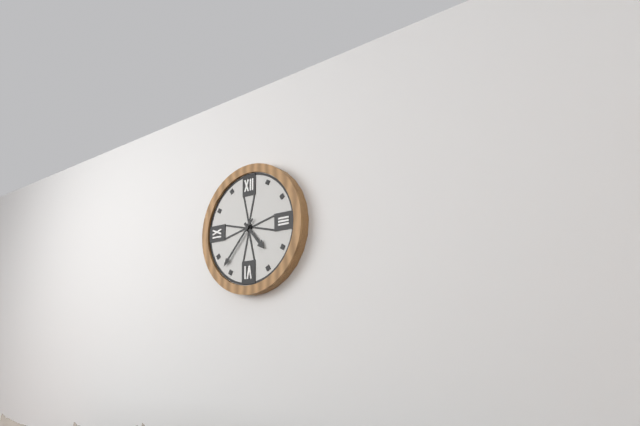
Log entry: **4:37**
